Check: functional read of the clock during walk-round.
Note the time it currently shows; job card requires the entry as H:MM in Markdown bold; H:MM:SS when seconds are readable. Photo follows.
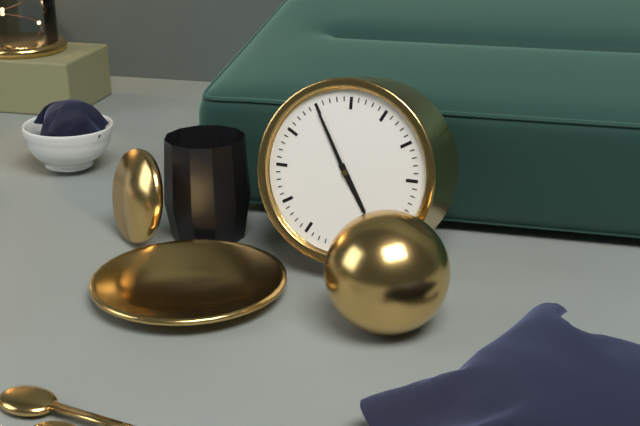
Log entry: **4:55**
